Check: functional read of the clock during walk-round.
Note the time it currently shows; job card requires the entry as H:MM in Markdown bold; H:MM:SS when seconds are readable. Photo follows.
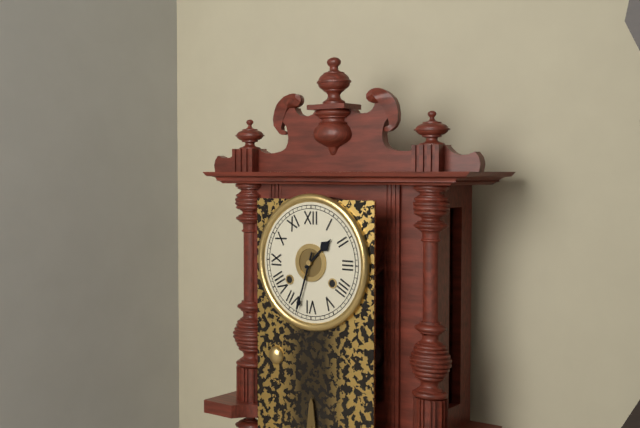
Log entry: **1:33**
